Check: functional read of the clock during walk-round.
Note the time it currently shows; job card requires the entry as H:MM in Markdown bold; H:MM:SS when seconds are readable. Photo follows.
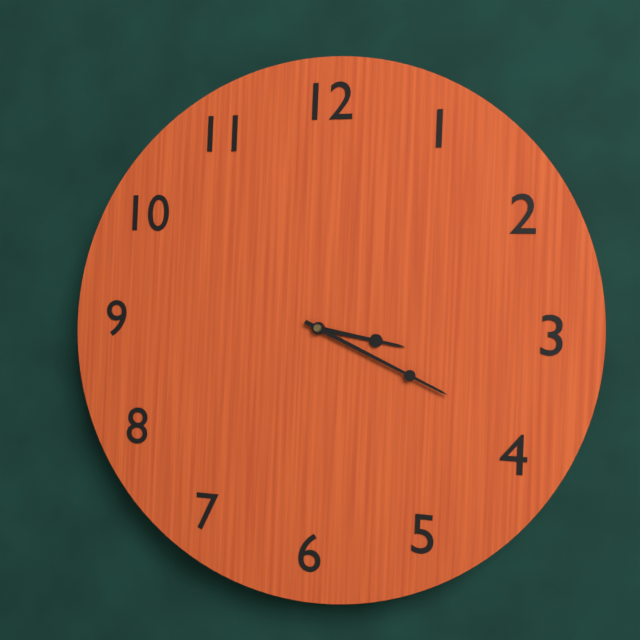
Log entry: **3:19**
